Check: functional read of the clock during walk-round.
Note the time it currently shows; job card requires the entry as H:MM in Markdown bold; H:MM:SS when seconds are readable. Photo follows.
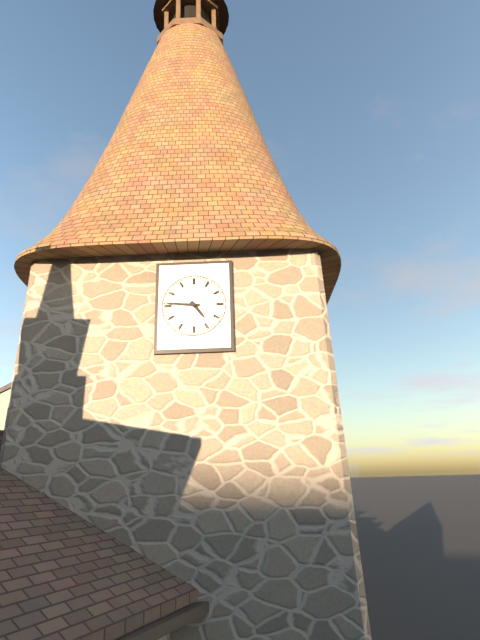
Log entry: **4:46**
